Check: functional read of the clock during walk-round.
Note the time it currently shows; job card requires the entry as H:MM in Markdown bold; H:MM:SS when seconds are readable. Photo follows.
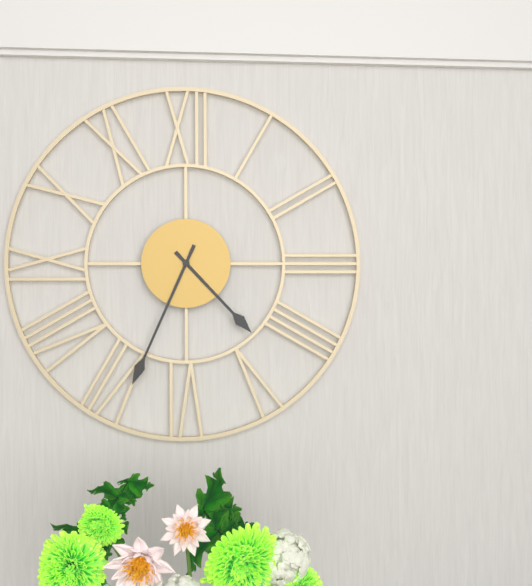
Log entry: **4:34**
